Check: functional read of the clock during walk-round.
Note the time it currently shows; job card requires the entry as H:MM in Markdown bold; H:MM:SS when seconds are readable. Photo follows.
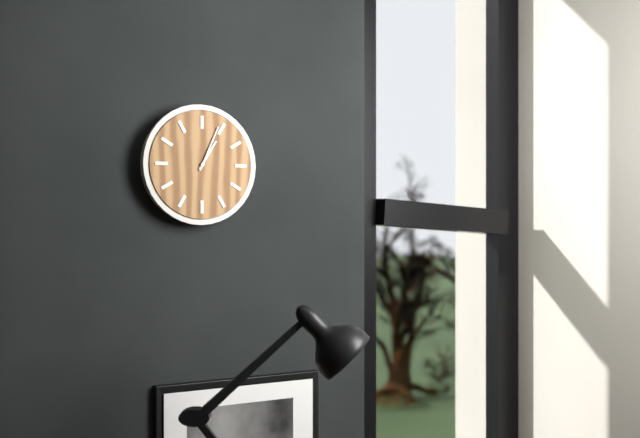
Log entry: **1:04**
